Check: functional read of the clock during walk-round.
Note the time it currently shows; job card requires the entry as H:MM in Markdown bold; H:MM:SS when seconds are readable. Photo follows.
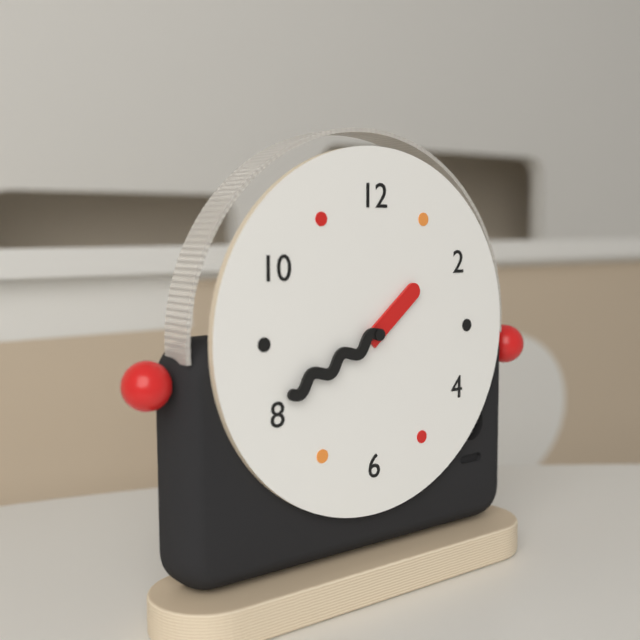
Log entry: **1:41**
